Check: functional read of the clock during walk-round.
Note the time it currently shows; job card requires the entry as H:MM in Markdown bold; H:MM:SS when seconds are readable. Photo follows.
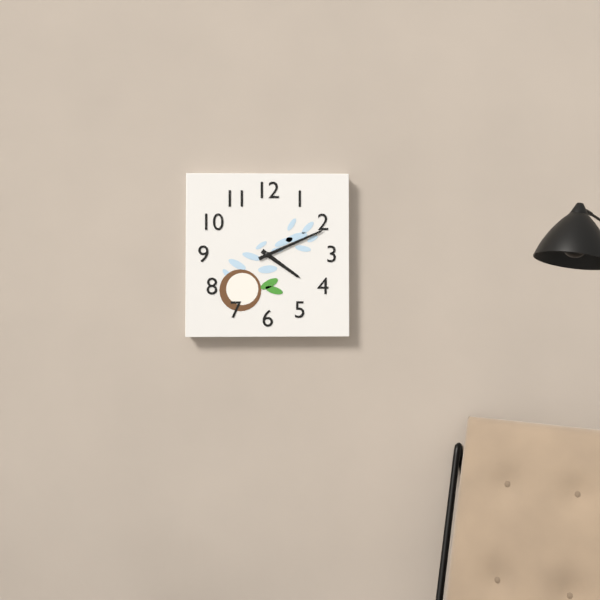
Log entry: **4:11**
